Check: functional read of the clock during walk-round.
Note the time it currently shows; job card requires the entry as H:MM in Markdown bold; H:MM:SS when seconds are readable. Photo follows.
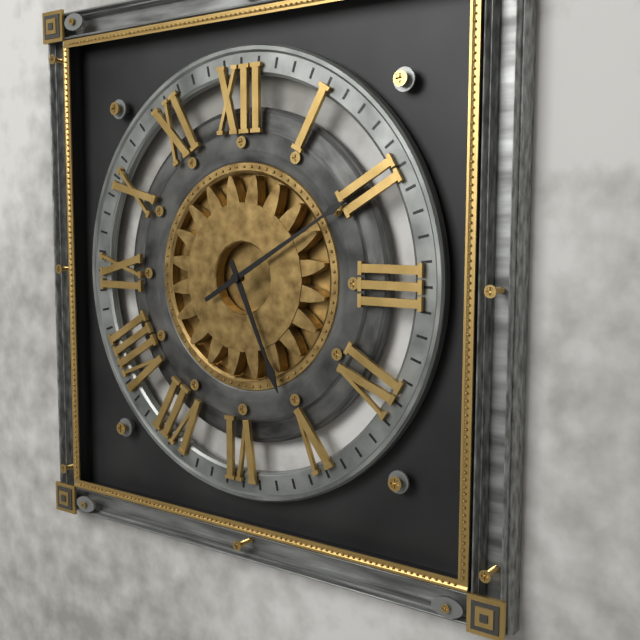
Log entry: **5:10**
